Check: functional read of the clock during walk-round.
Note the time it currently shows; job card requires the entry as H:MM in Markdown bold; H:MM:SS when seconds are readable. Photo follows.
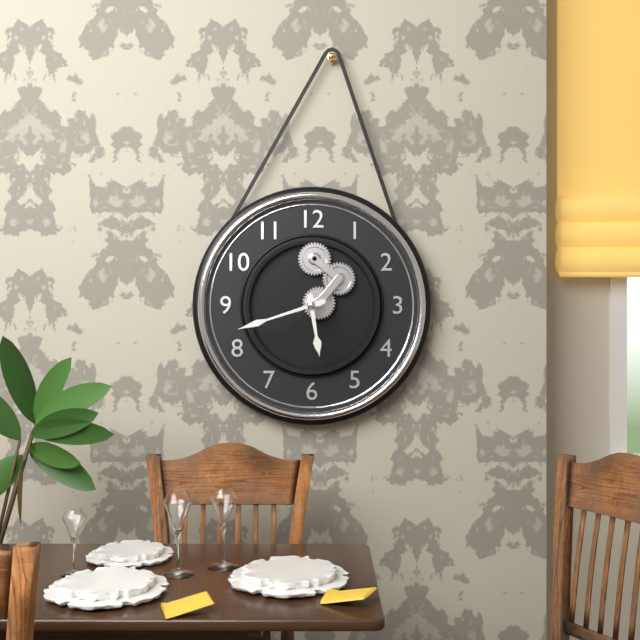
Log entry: **5:42**
